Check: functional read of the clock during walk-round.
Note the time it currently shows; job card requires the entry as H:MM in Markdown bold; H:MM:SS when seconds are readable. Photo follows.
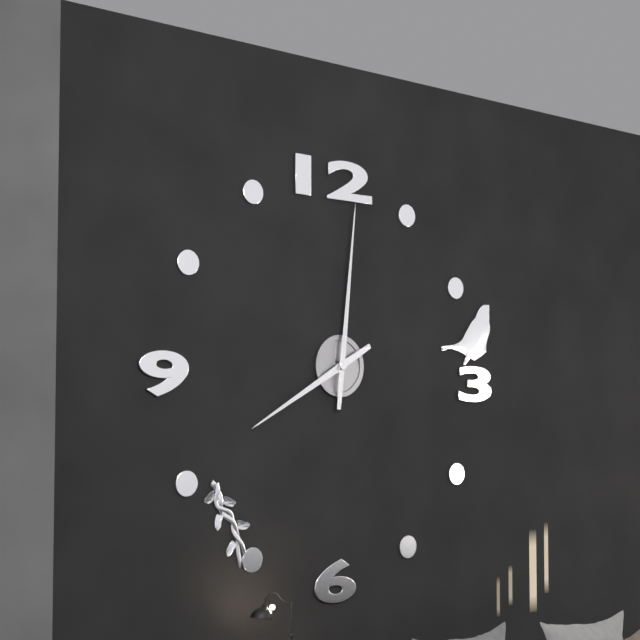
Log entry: **8:01**
